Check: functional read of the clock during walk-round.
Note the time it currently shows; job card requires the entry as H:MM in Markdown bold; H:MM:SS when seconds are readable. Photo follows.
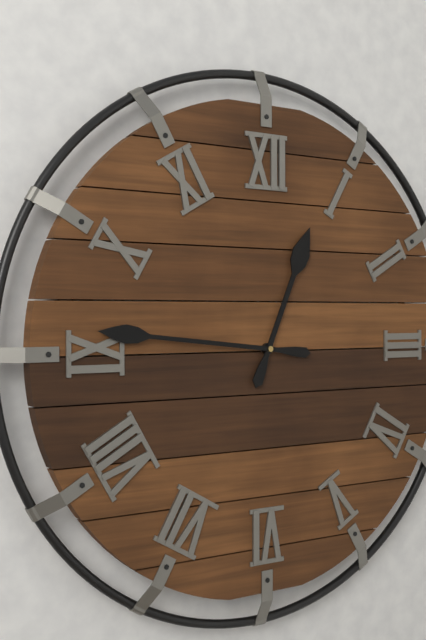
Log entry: **12:46**
